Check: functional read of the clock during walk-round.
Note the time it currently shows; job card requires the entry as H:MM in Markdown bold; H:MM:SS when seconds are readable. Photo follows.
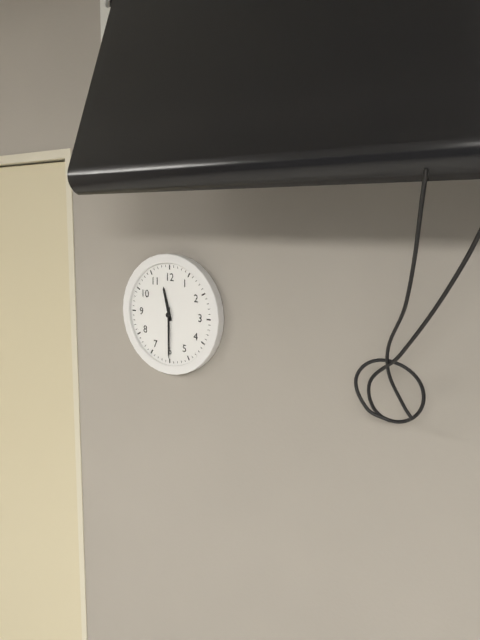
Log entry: **11:30**
